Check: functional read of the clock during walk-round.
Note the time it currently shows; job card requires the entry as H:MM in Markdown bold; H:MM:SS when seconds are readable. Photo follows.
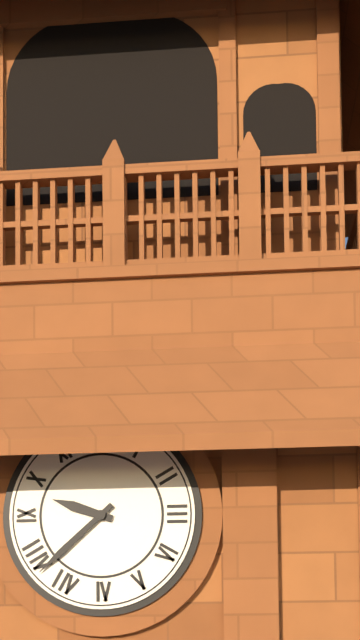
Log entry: **9:38**
